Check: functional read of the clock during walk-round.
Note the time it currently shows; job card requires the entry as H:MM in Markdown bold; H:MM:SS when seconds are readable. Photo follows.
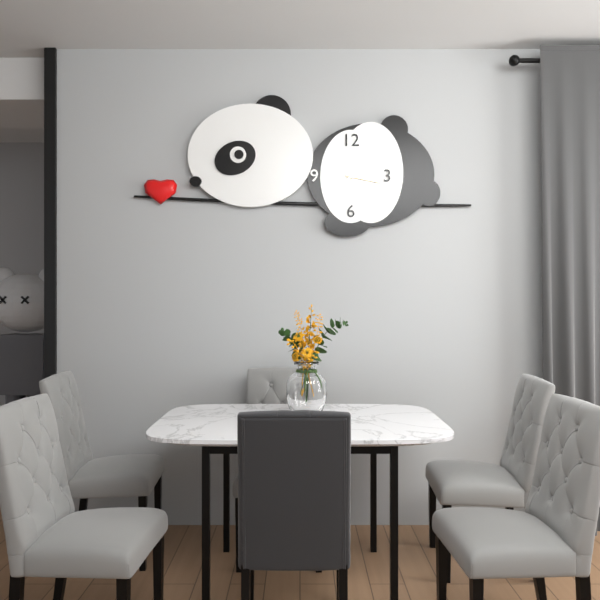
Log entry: **7:17**
